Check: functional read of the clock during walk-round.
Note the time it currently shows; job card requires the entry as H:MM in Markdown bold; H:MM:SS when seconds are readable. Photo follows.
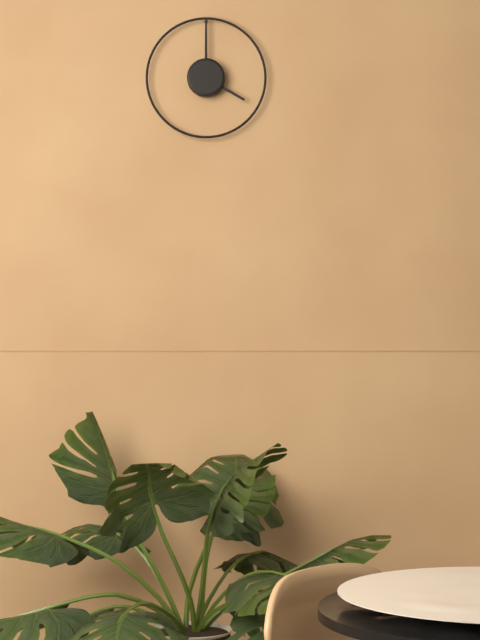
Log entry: **4:00**
